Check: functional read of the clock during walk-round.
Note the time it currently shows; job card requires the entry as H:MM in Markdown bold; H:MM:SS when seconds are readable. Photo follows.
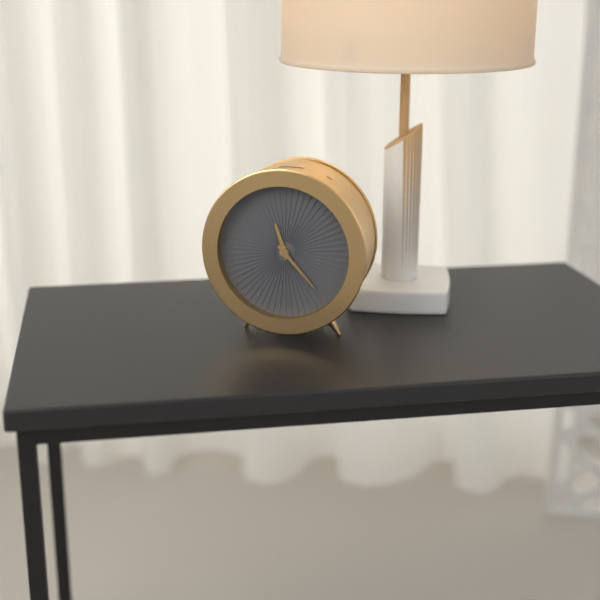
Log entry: **11:23**
